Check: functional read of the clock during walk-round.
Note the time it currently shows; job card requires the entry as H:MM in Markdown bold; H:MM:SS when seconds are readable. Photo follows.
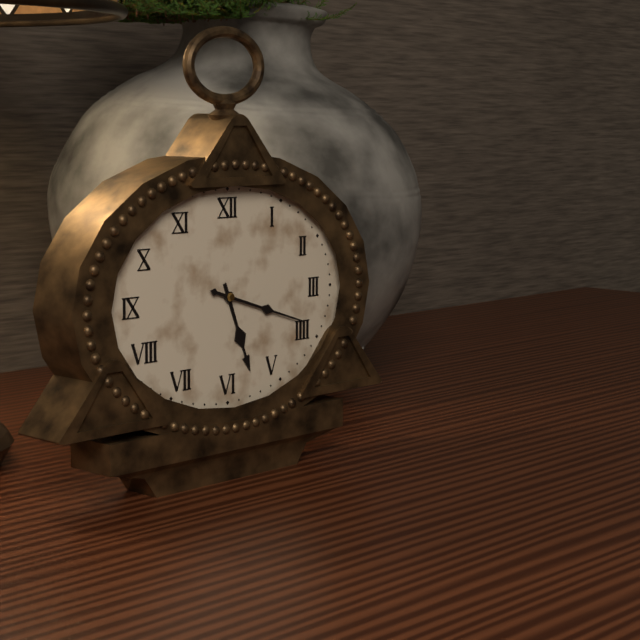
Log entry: **5:18**
